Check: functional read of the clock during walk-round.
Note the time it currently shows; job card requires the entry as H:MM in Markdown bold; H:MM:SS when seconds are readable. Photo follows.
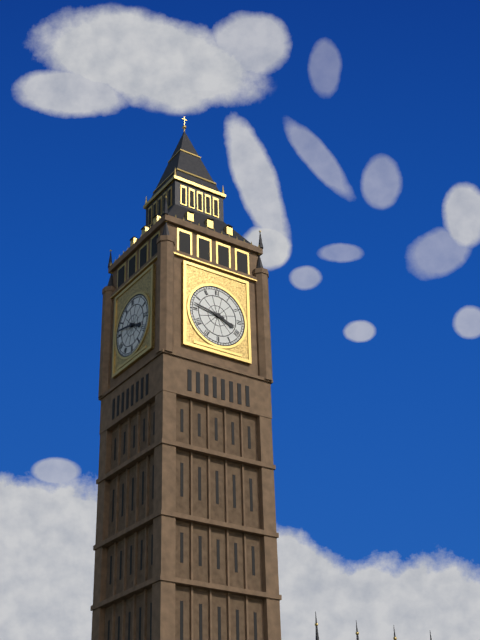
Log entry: **3:47**
